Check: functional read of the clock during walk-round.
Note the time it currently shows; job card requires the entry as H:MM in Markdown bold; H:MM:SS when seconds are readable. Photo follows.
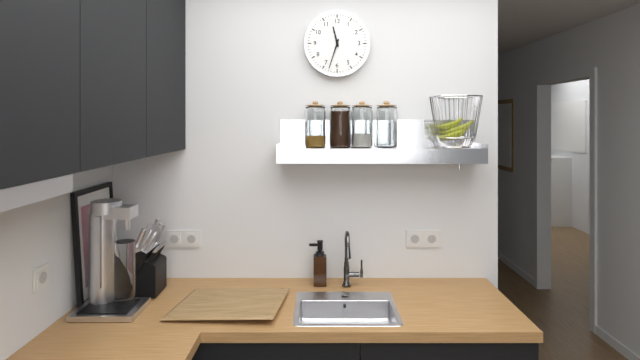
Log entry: **11:33**
